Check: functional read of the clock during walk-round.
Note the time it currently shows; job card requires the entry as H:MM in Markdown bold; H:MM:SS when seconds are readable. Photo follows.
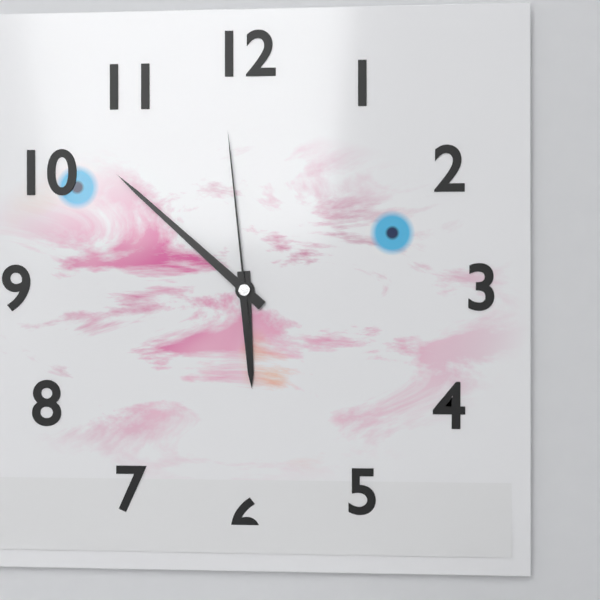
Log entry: **5:52:59**
